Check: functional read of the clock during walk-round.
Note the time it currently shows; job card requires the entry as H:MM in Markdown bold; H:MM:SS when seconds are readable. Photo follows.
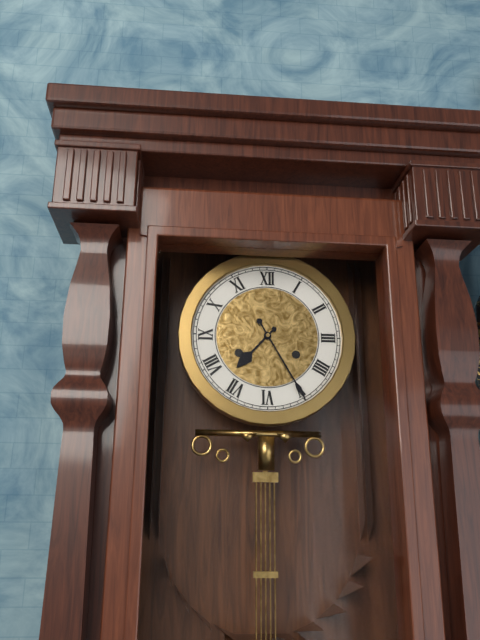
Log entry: **7:25**
